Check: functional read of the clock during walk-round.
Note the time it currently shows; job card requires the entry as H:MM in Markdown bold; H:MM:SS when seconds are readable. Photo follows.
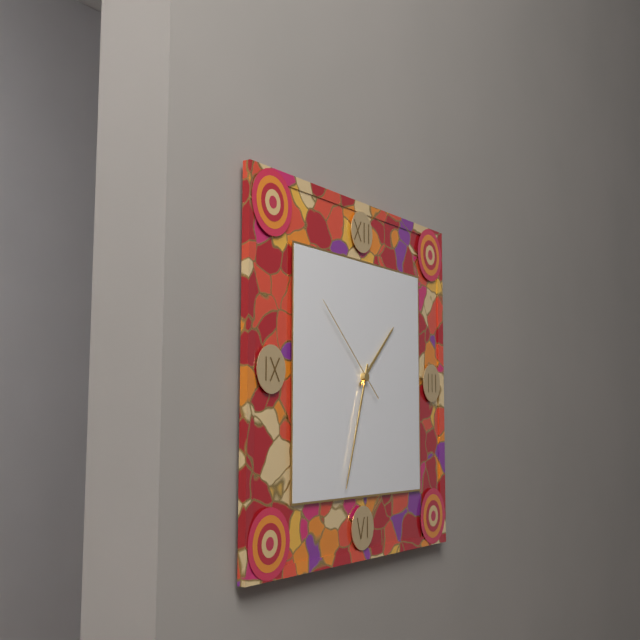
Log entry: **1:33:52**
